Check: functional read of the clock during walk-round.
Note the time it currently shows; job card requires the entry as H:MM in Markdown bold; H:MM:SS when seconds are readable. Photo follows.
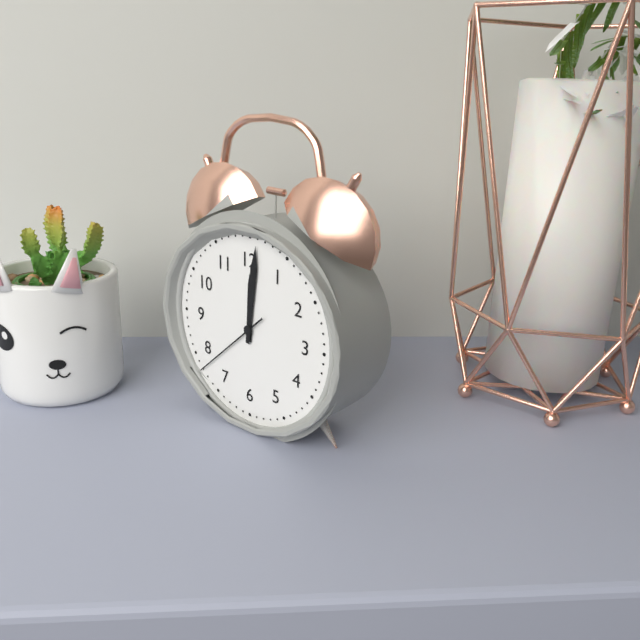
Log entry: **12:01:38**
